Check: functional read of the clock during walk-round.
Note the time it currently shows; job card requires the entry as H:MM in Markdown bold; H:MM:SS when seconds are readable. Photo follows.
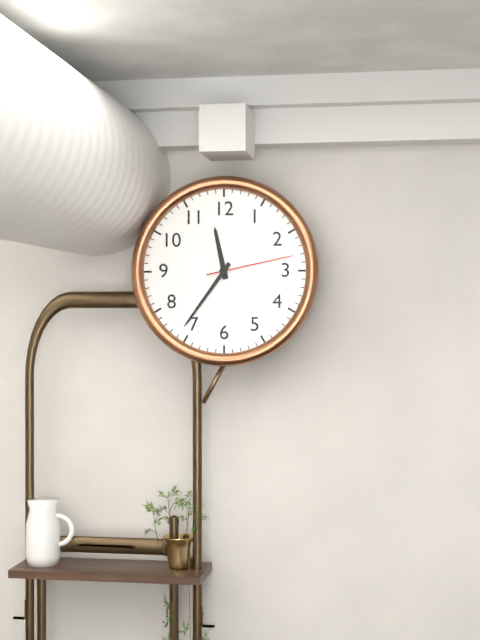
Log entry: **11:36:13**
